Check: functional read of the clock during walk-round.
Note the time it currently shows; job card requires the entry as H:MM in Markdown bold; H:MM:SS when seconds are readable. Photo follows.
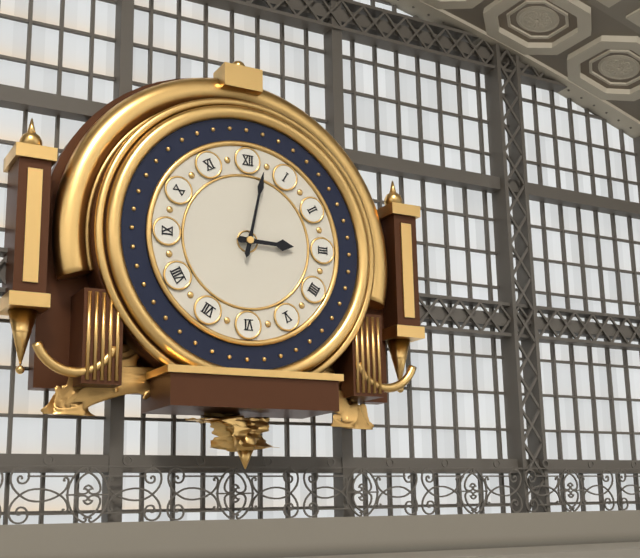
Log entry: **3:02**
